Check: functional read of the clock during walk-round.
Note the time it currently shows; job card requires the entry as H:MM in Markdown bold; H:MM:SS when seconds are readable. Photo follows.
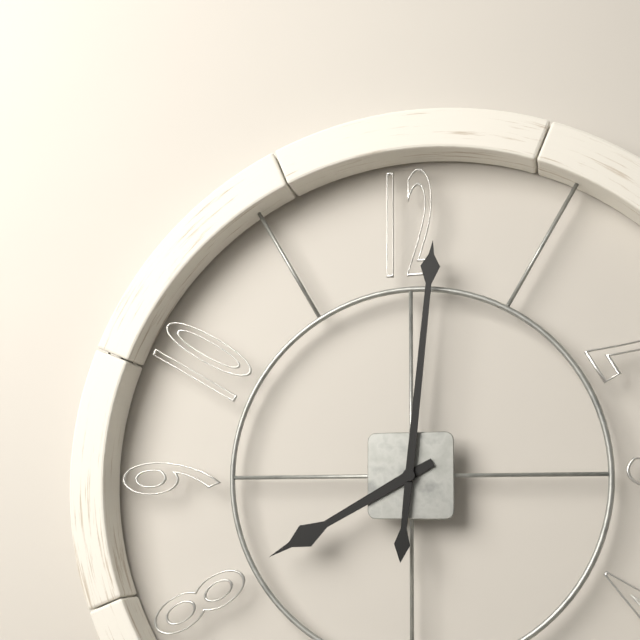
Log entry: **8:01**
